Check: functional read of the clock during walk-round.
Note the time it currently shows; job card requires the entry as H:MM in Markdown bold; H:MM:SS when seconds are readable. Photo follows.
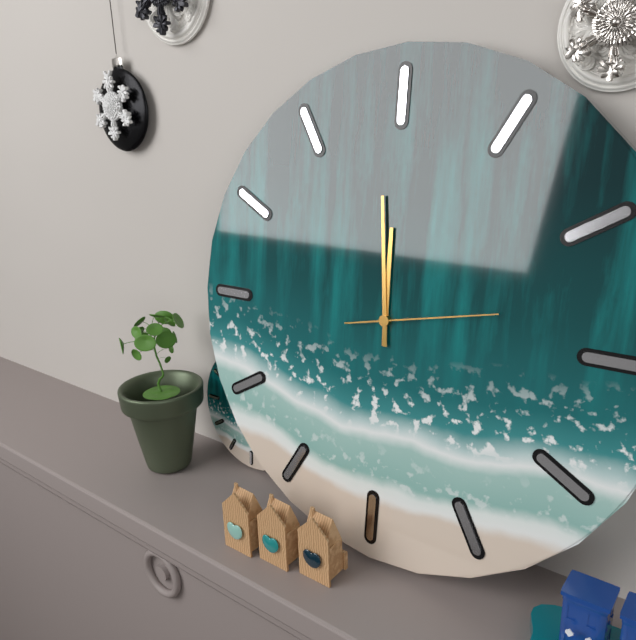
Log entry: **11:59:13**
